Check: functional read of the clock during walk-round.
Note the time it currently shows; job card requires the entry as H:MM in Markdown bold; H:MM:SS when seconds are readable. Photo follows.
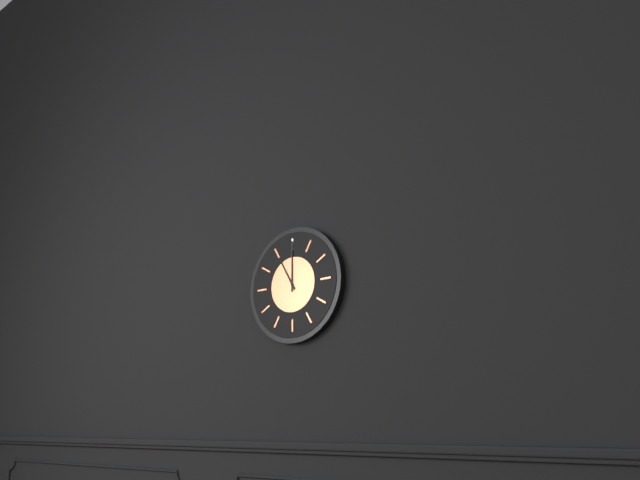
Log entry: **11:00**
